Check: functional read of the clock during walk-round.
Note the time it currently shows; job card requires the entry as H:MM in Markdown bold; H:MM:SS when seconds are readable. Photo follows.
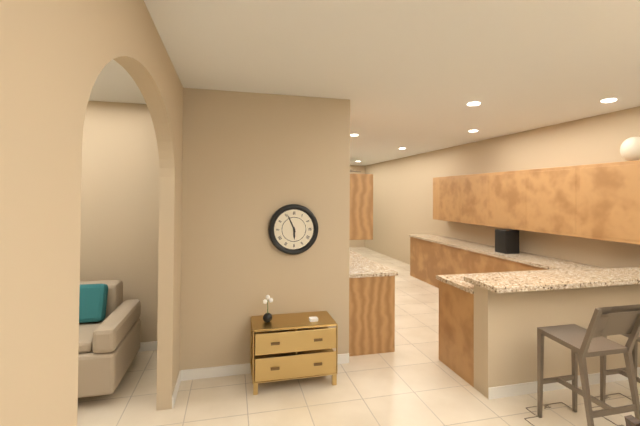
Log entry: **5:56**
